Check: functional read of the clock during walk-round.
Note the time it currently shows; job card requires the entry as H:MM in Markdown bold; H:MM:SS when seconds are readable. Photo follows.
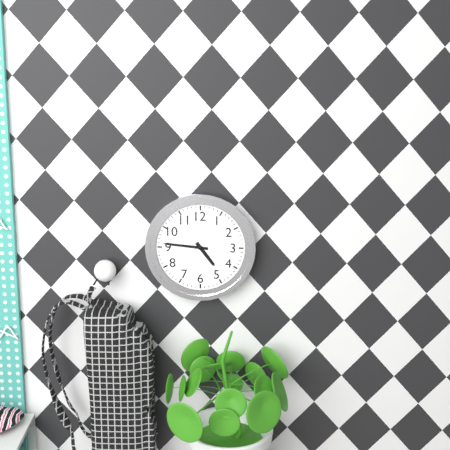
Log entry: **4:46**
